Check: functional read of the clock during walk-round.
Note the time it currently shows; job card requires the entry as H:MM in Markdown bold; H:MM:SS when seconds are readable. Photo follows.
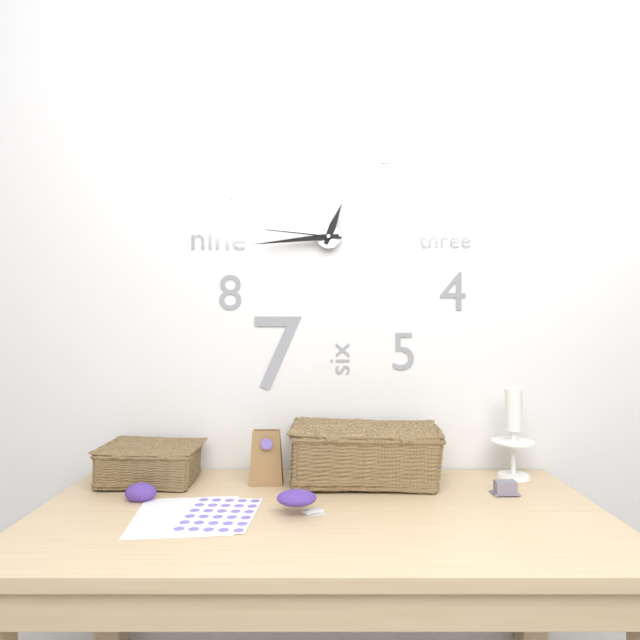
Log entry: **12:44:46**
